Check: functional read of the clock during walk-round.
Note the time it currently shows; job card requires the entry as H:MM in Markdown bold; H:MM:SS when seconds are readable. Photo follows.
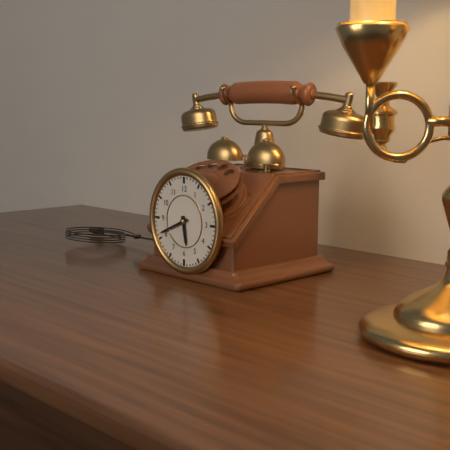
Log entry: **5:41**
